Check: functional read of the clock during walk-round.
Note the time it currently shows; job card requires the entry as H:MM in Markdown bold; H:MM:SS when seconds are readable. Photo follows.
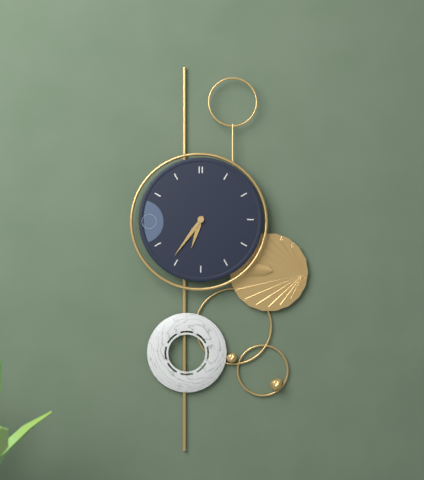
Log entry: **6:36**
